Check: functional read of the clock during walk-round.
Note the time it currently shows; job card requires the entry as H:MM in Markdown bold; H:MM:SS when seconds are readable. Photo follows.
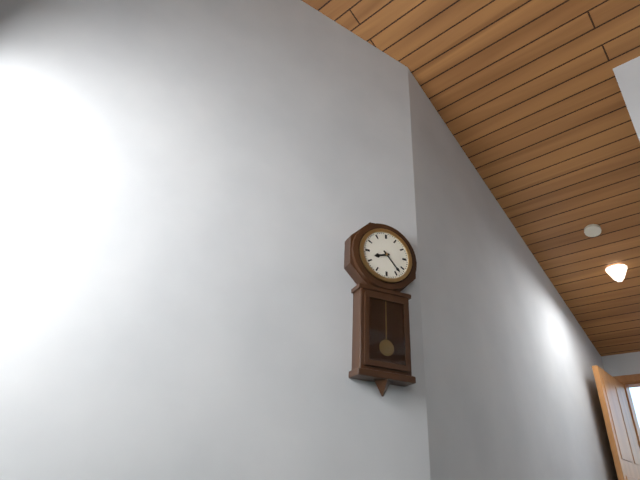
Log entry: **8:23**
